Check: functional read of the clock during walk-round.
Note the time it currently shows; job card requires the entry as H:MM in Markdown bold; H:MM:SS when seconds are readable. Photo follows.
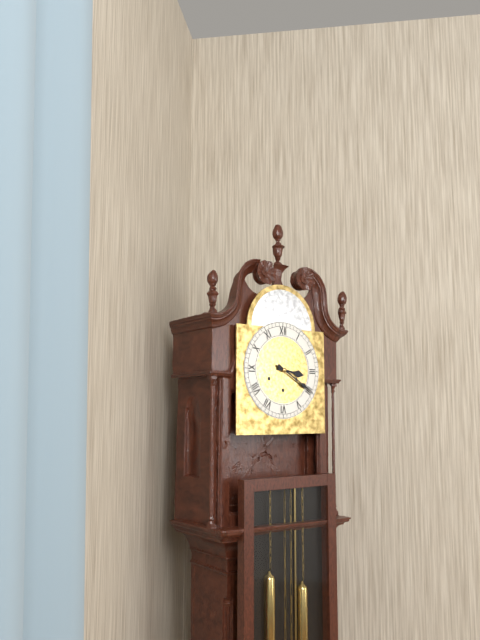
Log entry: **3:20**
